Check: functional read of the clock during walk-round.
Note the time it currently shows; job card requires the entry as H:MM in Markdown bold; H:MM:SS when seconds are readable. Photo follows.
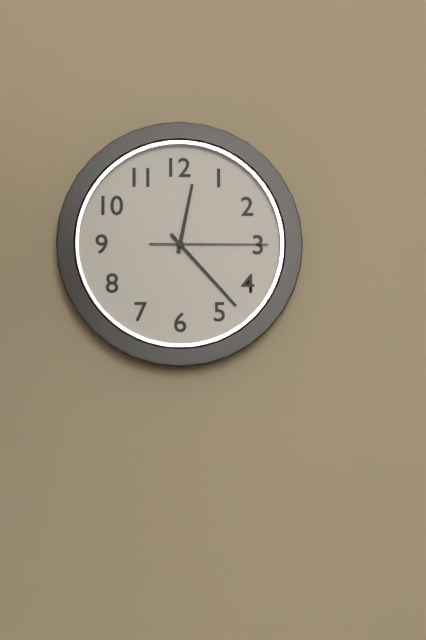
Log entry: **12:23:15**
